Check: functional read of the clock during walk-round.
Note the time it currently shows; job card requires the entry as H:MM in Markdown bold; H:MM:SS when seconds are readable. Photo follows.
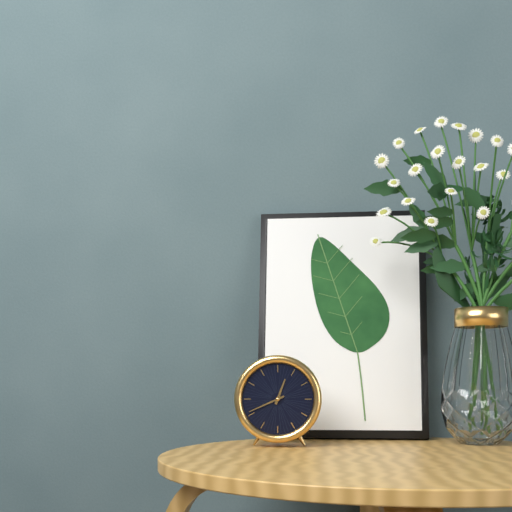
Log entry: **12:41**
